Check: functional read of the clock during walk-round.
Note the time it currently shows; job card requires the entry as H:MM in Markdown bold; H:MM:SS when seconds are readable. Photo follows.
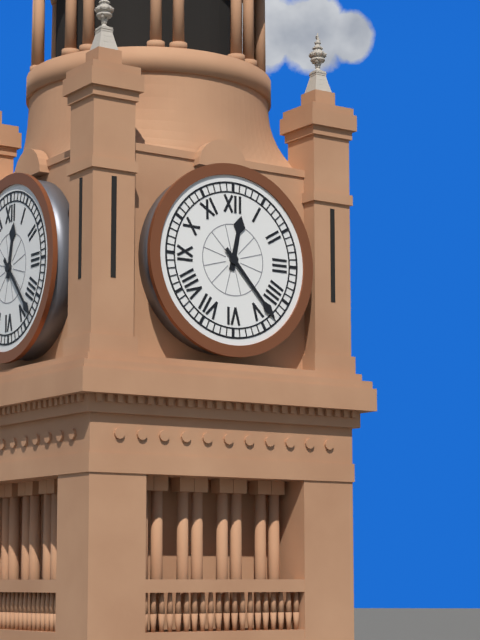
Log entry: **12:23**
